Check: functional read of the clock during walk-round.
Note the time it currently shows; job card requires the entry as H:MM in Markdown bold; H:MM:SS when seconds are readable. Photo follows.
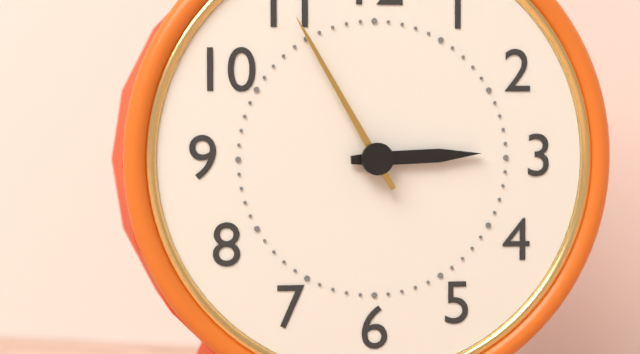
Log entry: **2:55**
